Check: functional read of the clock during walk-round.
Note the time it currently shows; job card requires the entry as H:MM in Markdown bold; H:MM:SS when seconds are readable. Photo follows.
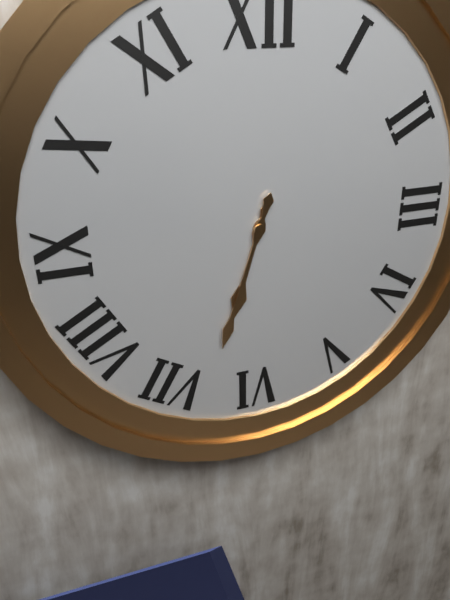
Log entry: **6:33**
